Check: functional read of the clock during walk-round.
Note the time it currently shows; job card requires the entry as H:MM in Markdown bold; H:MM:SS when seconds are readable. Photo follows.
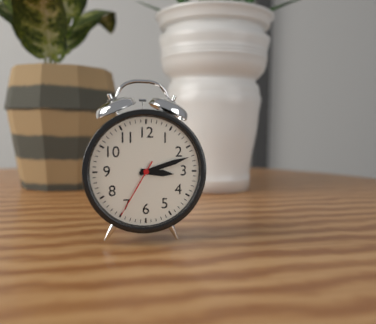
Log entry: **3:12:35**
